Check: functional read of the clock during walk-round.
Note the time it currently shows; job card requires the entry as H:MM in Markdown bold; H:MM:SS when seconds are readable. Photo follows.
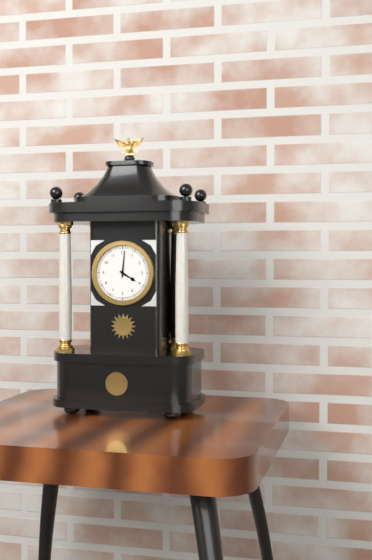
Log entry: **4:01**
